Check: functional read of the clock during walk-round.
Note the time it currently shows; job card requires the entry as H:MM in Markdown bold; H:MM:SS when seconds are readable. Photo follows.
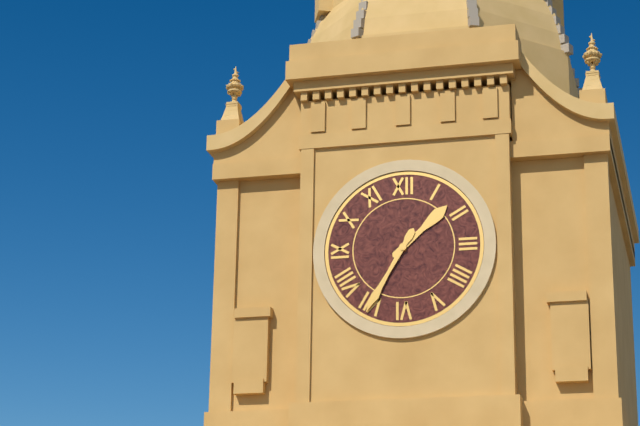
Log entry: **1:35**
